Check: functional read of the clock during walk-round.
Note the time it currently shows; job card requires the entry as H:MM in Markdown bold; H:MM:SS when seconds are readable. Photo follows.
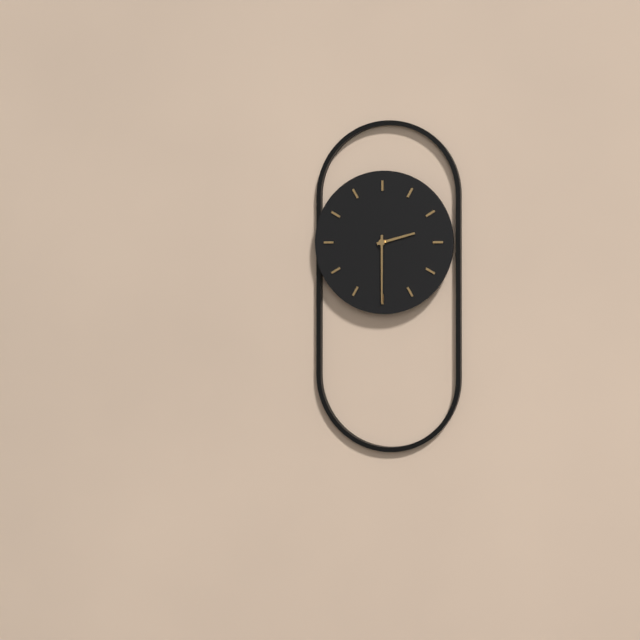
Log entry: **2:30**
